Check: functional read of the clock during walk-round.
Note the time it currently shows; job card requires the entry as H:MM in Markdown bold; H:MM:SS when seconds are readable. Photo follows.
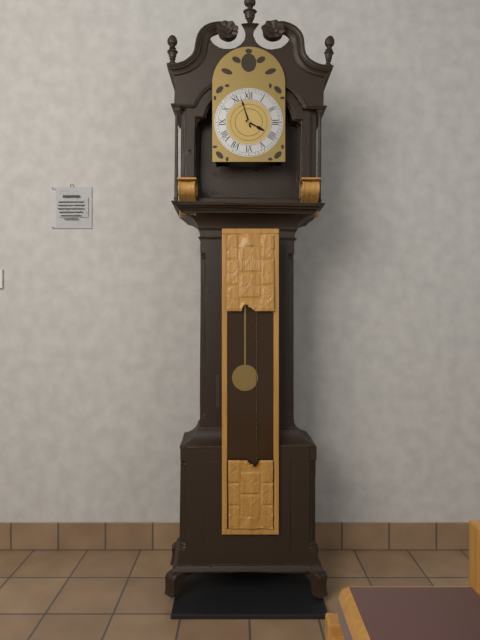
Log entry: **3:57**
